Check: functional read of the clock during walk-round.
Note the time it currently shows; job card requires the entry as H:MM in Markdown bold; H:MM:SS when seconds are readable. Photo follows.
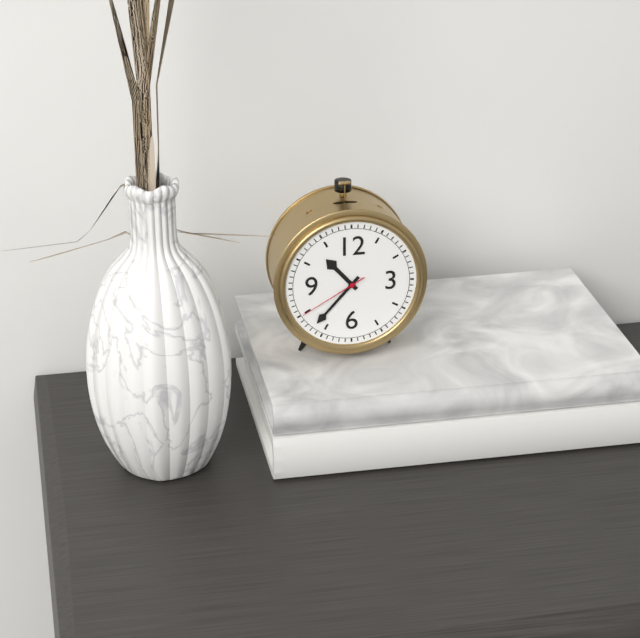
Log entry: **10:37:40**
